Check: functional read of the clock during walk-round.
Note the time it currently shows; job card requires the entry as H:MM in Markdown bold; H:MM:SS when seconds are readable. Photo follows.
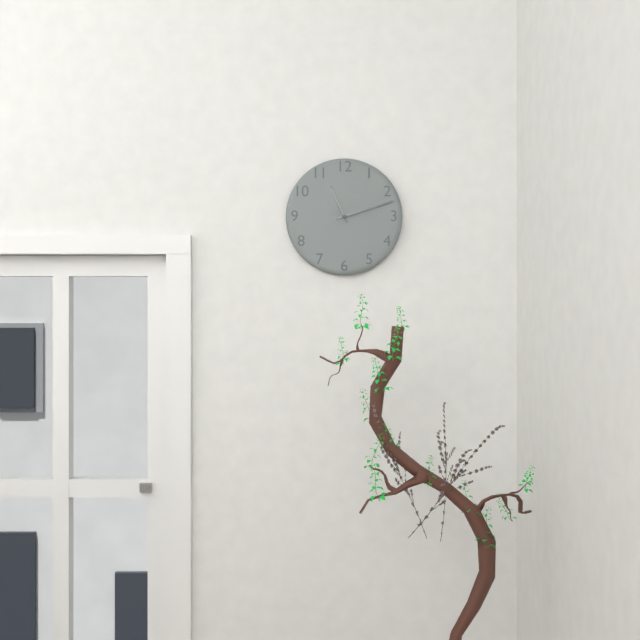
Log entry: **11:12**
